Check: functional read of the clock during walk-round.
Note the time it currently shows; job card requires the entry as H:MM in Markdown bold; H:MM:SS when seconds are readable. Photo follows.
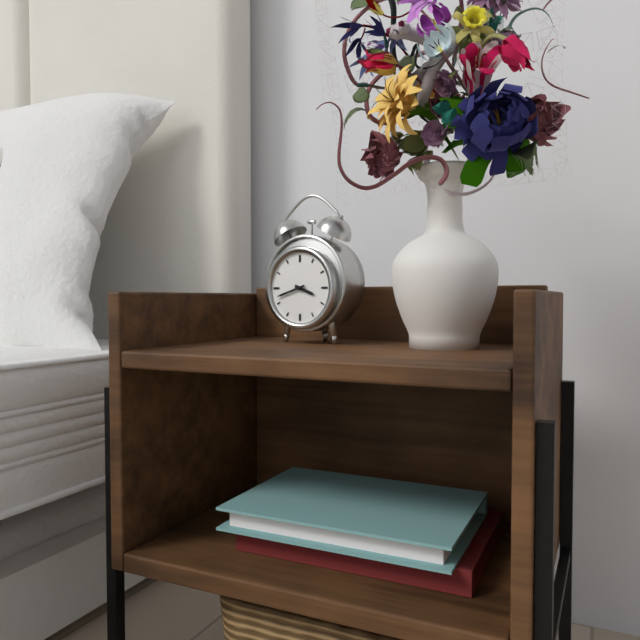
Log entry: **3:42**
